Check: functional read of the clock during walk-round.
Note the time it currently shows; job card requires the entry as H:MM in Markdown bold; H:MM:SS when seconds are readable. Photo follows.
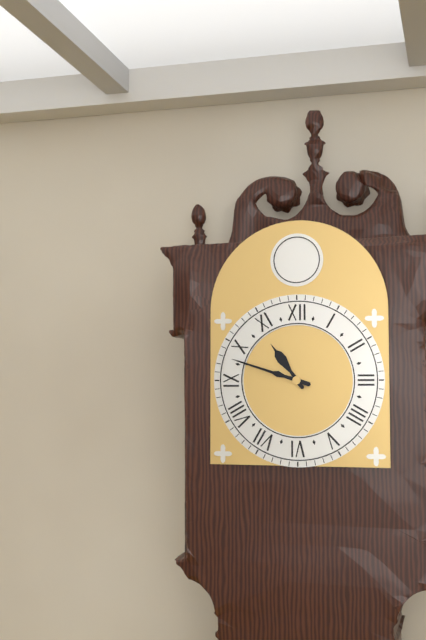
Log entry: **10:48**
